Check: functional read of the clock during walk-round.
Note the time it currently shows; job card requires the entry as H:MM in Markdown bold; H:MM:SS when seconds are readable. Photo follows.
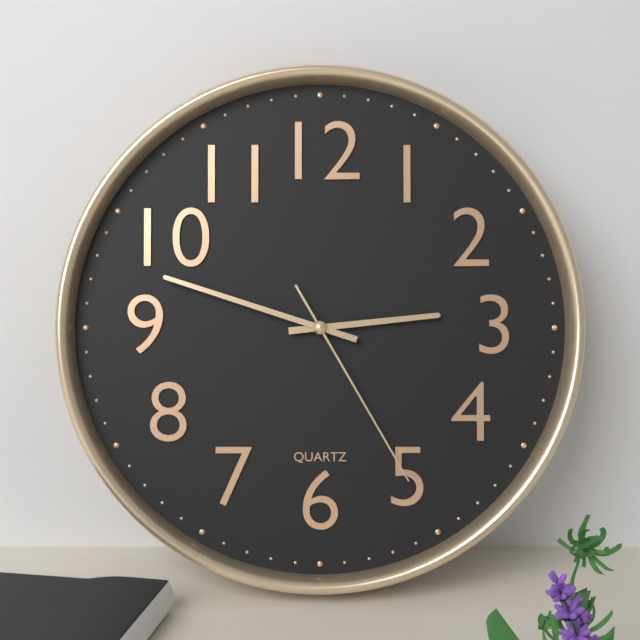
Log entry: **2:48:25**
